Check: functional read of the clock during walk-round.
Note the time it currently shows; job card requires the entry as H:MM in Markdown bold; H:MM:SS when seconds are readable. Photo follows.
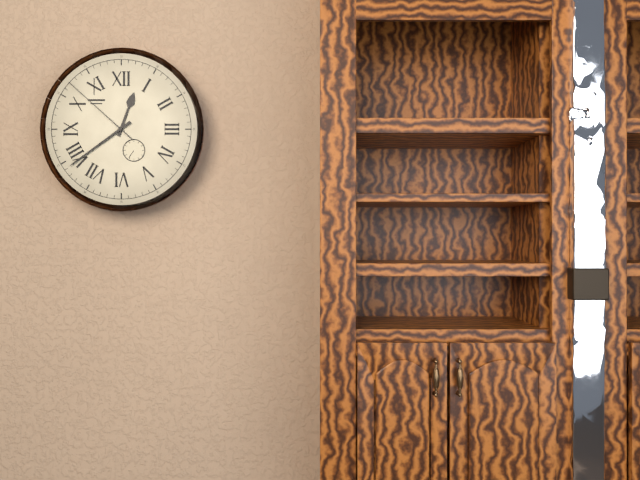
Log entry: **12:39:52**
